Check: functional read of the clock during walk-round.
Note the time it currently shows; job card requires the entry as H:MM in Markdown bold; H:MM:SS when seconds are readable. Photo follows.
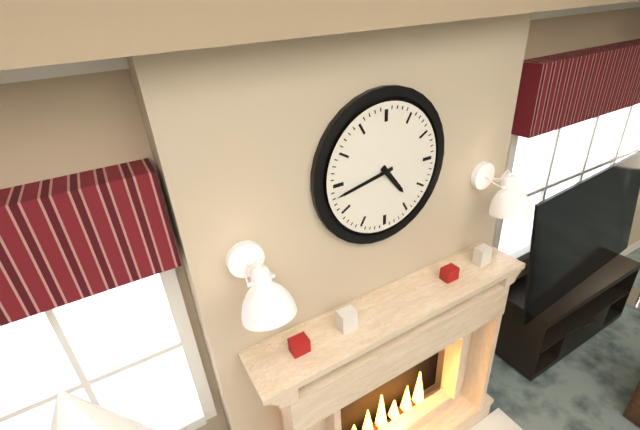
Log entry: **4:43**
